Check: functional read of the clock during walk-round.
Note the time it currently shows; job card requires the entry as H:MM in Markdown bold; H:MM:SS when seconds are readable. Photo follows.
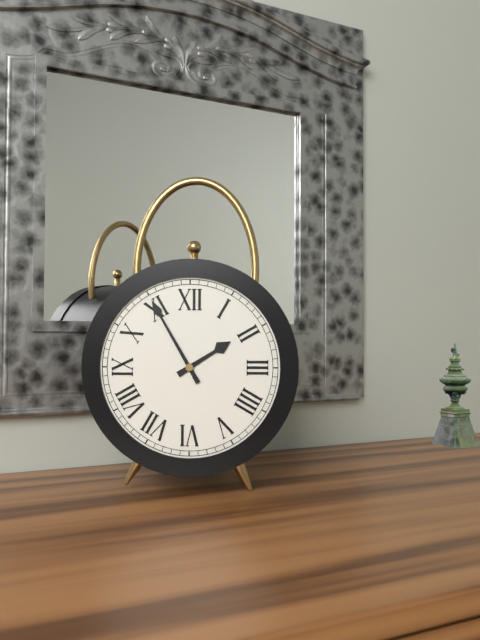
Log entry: **1:55**
